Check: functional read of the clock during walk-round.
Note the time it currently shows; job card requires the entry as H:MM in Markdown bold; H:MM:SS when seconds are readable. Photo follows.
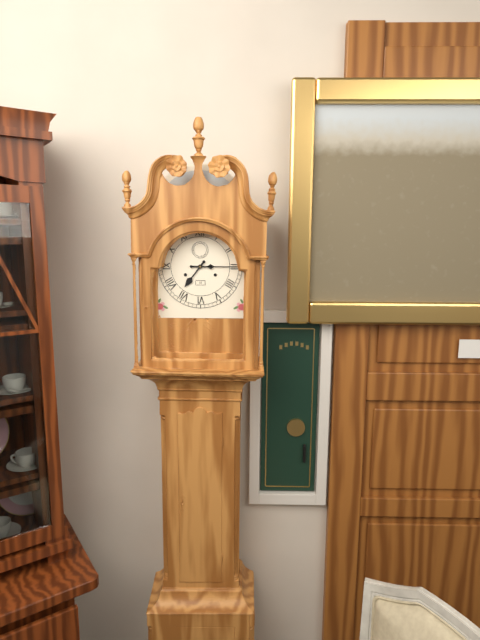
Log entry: **7:15**
